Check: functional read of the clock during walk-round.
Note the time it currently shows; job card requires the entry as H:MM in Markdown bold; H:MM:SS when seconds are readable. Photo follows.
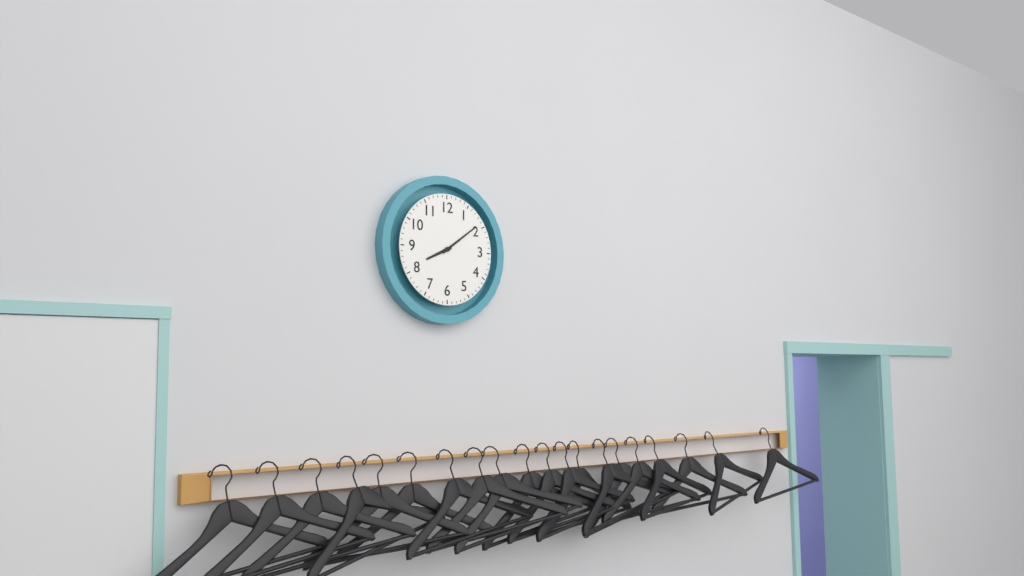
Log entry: **8:09**
